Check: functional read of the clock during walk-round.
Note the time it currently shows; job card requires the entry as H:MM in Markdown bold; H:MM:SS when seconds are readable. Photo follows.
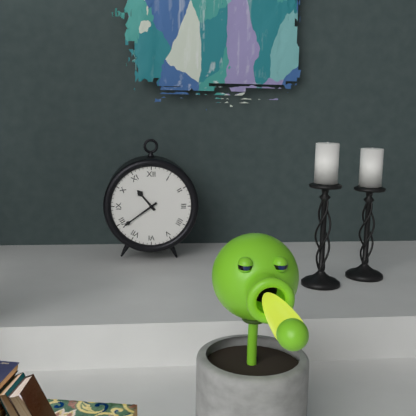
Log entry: **10:39**
